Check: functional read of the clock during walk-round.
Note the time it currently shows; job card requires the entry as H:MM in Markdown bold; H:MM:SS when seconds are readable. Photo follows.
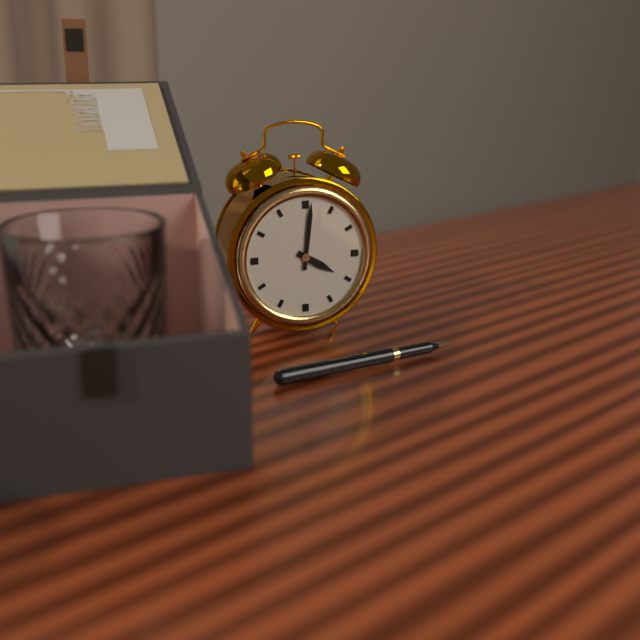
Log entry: **4:01**
